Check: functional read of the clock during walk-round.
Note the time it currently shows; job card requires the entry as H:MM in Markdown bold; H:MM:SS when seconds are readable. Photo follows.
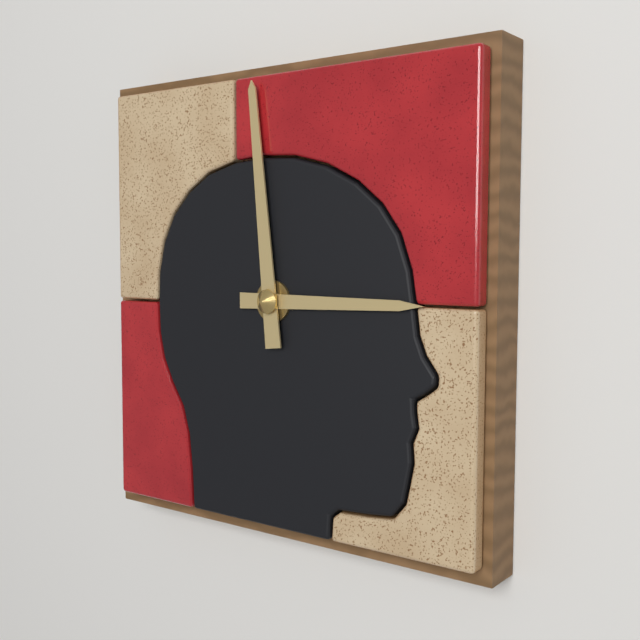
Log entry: **2:59**
